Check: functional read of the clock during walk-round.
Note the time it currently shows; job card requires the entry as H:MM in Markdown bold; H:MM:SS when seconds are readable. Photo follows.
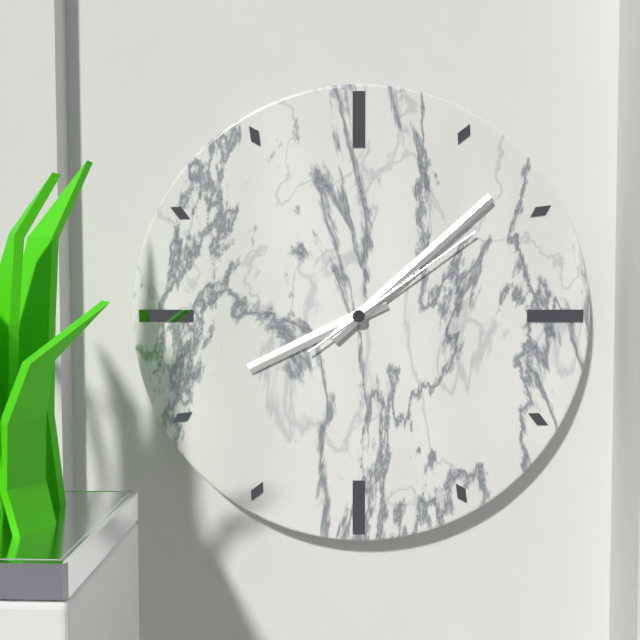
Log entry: **8:08:09**
